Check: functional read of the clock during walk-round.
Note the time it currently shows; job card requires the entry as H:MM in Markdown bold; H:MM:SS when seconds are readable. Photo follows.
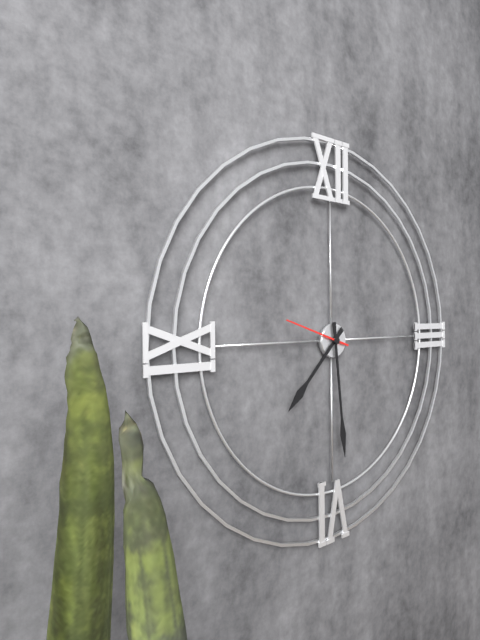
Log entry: **7:29:48**
